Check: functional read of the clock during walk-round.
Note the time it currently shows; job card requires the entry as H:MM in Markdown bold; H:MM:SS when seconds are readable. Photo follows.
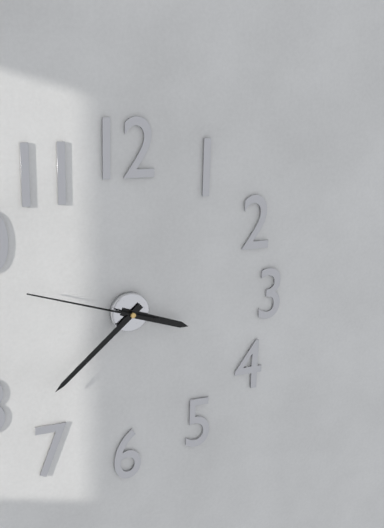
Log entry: **3:38:48**
